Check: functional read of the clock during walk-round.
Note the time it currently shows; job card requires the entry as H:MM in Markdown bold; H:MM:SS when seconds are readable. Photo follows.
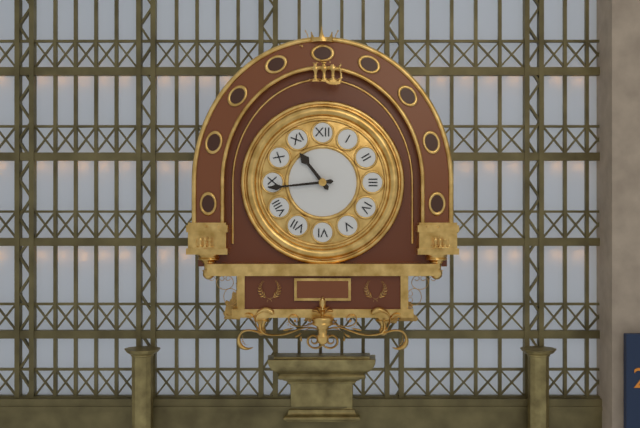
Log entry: **10:44**
